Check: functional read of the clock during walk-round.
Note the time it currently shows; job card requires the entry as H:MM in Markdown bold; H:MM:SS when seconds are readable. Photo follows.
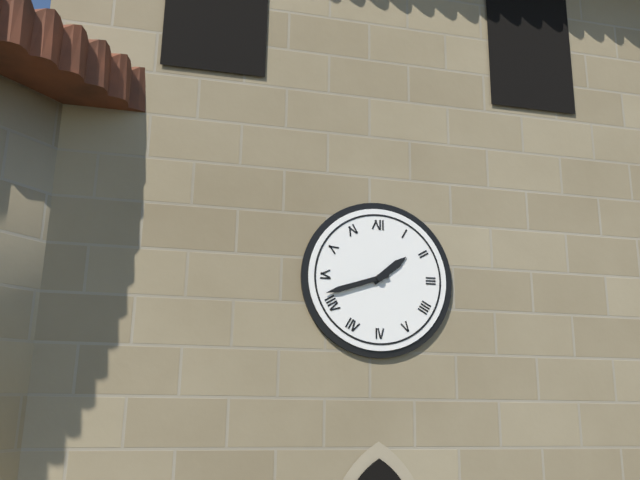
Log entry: **1:42**
